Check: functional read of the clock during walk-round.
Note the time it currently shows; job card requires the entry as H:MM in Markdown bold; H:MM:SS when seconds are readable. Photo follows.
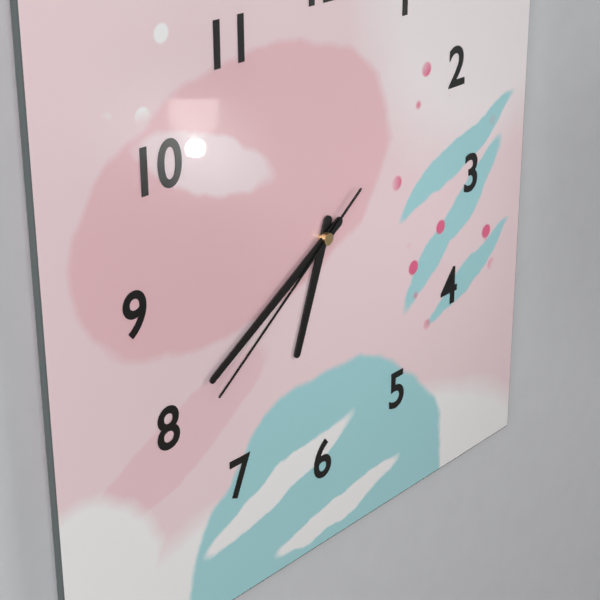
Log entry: **6:40:39**
